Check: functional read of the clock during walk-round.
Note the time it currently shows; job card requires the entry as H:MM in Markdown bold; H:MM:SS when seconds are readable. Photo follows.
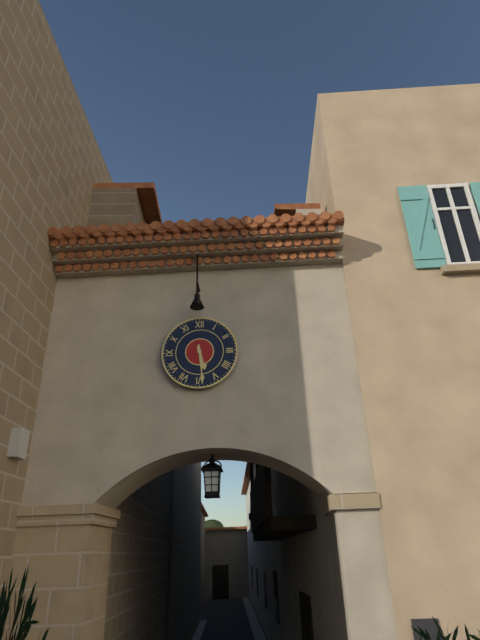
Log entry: **5:29**
